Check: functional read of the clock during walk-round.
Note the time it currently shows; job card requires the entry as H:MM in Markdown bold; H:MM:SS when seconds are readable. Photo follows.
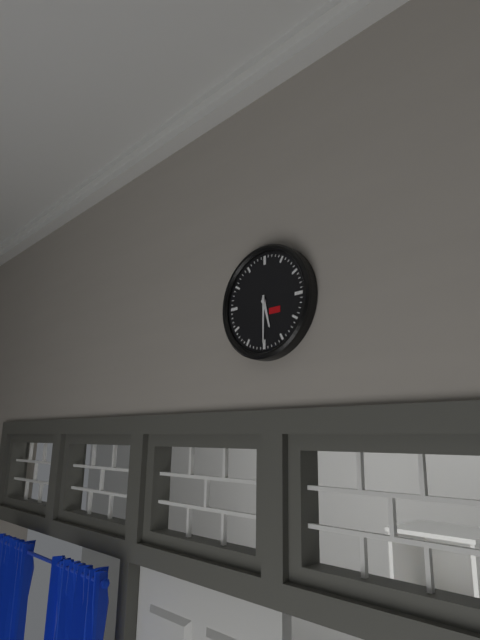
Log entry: **5:30**
